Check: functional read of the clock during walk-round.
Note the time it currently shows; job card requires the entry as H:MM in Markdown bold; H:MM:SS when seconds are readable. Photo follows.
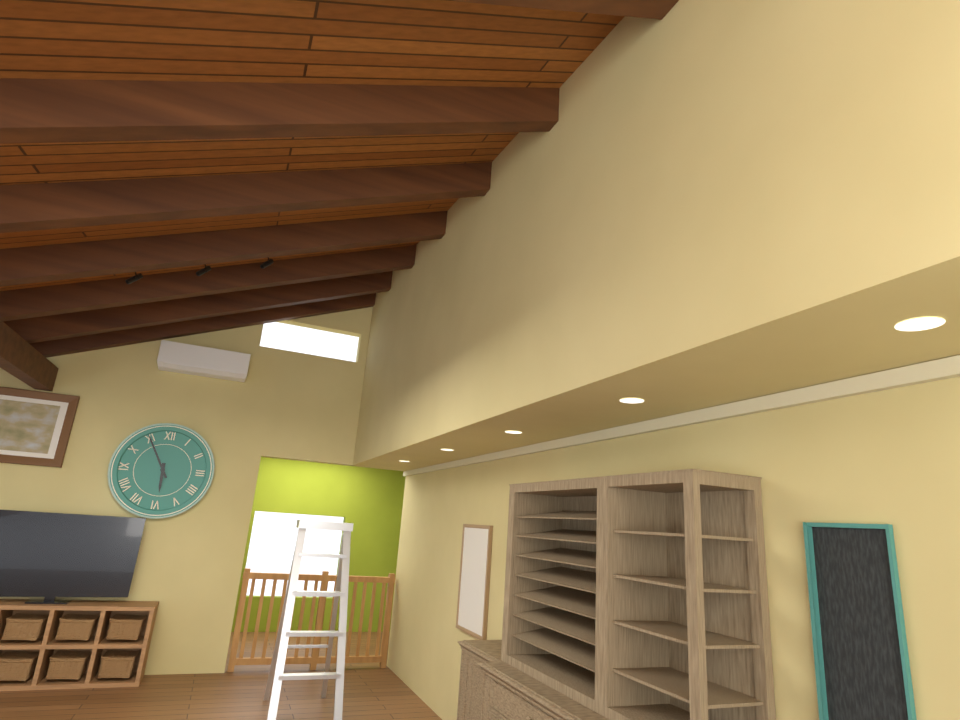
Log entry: **5:55**
